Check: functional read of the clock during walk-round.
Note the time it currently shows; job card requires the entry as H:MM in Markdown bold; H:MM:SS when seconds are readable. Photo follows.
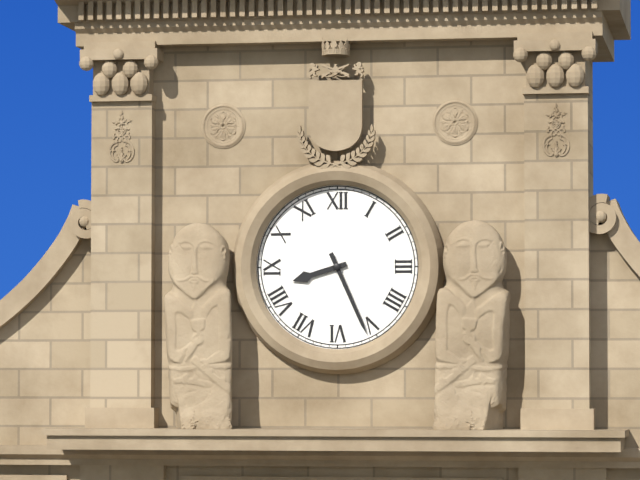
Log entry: **8:26**
